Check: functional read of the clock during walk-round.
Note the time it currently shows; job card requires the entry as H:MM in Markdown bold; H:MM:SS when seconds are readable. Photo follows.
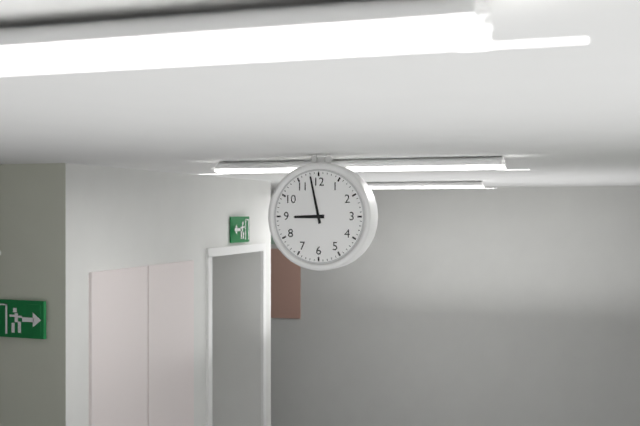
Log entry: **8:58**
